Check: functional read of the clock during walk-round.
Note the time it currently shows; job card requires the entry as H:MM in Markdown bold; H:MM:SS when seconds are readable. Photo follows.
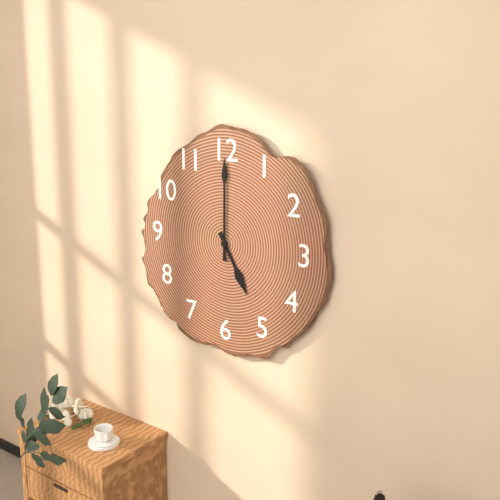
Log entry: **5:00**
